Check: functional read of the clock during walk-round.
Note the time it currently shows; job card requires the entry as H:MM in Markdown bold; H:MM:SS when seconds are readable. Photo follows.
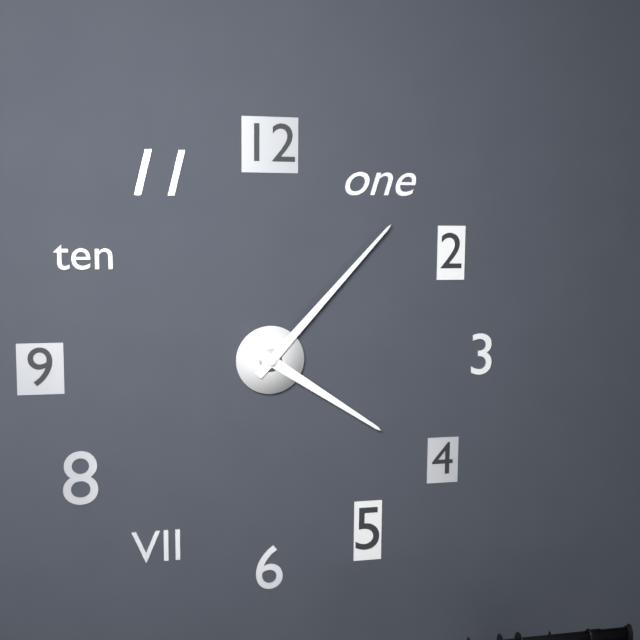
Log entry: **4:07**
